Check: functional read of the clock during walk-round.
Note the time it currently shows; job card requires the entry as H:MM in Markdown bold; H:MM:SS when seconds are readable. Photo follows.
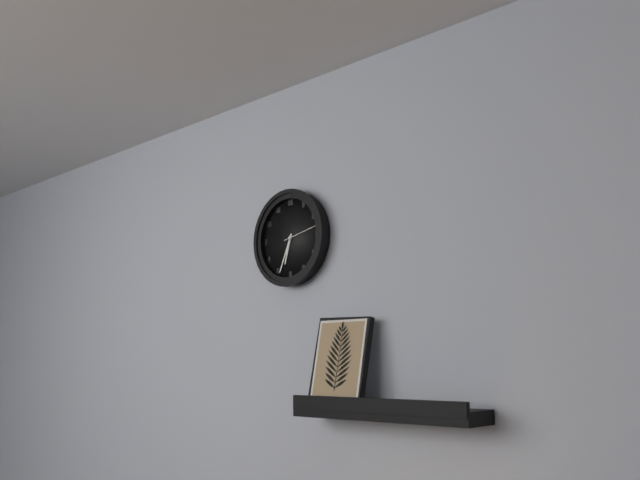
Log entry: **6:34**
